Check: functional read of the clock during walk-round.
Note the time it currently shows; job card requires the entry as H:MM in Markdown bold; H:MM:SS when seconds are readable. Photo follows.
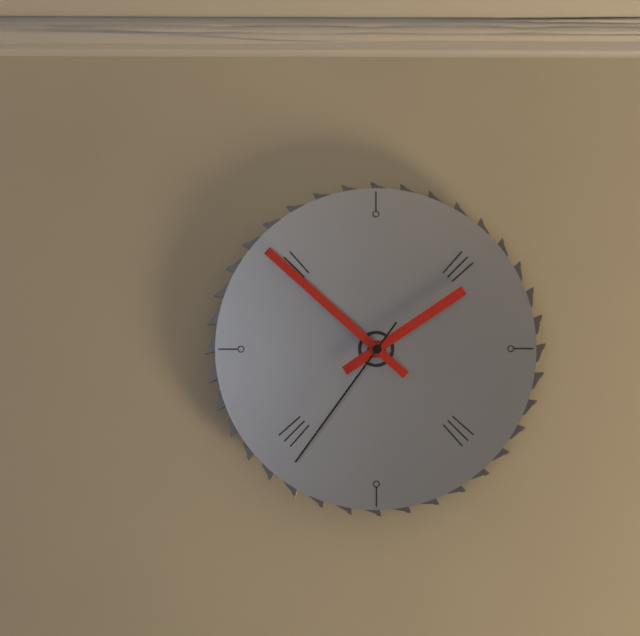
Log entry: **1:52:36**
